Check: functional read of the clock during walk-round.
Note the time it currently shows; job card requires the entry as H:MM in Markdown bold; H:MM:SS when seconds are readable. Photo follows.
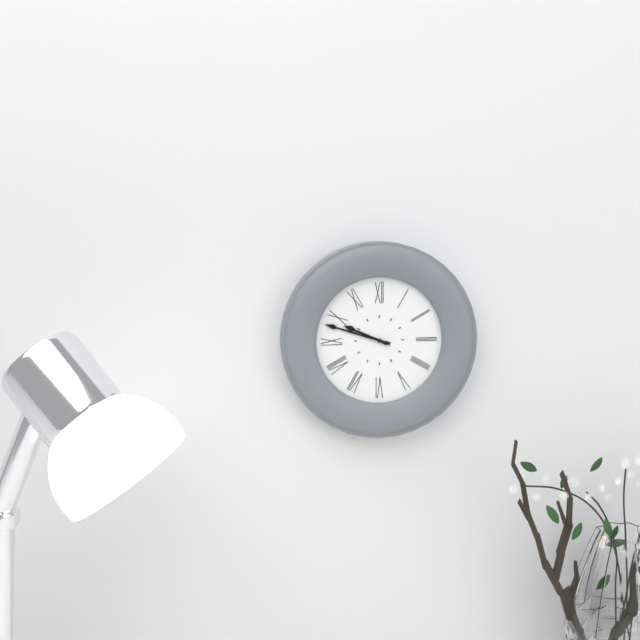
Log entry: **9:48**
